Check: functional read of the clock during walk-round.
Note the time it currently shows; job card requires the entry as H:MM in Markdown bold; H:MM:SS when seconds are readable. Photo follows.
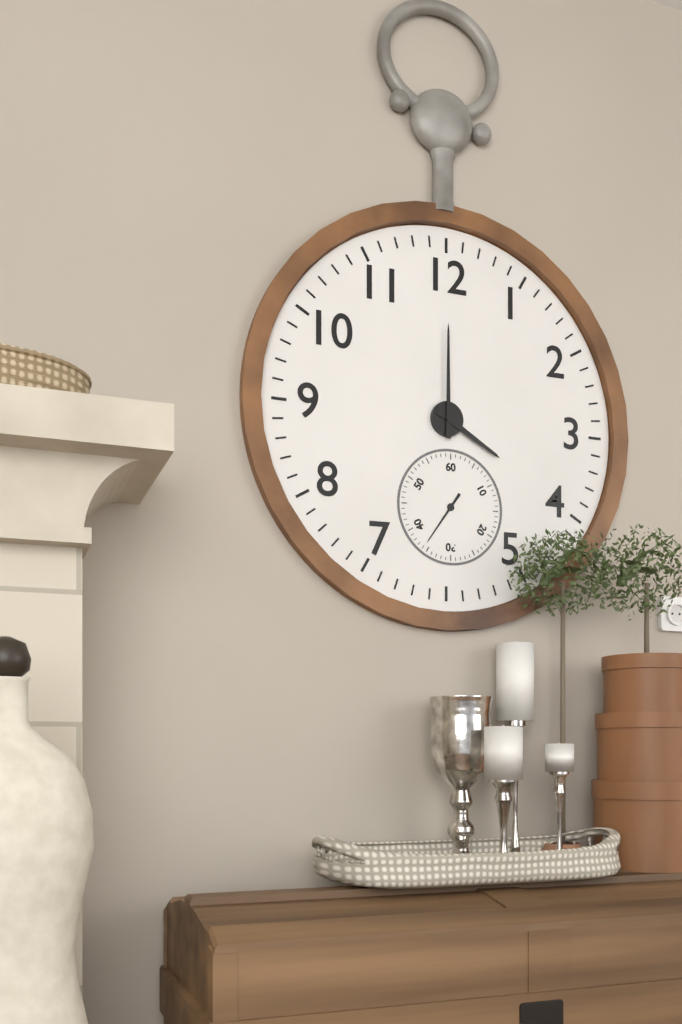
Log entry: **4:00**
